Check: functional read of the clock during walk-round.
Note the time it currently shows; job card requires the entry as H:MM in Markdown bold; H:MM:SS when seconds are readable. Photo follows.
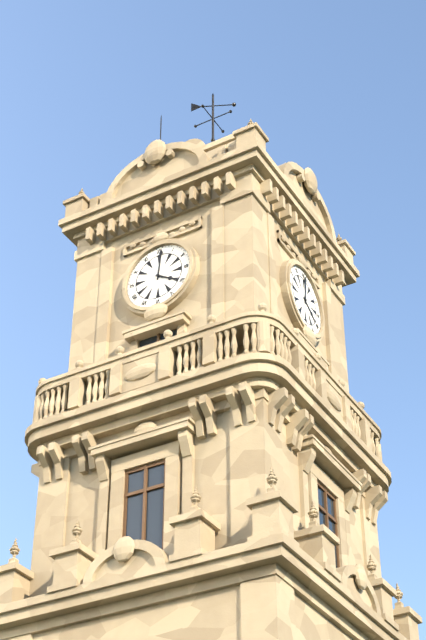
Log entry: **4:01**
